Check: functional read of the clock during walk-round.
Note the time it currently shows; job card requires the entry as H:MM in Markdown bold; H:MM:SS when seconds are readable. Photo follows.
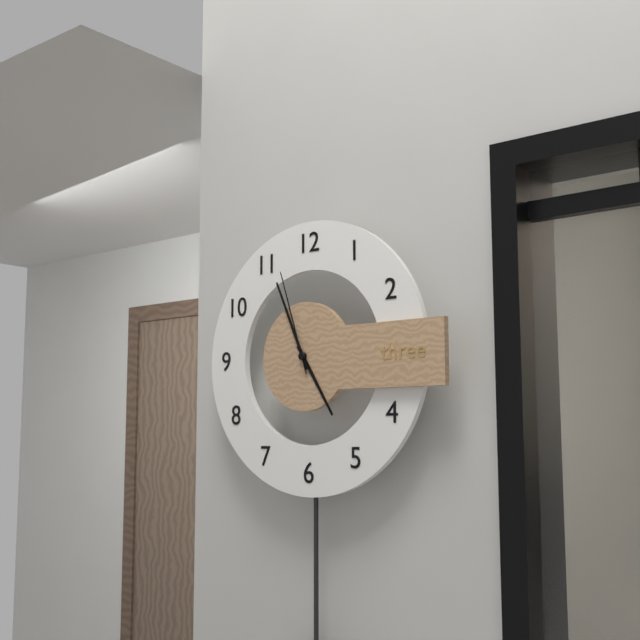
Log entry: **4:56:57**
